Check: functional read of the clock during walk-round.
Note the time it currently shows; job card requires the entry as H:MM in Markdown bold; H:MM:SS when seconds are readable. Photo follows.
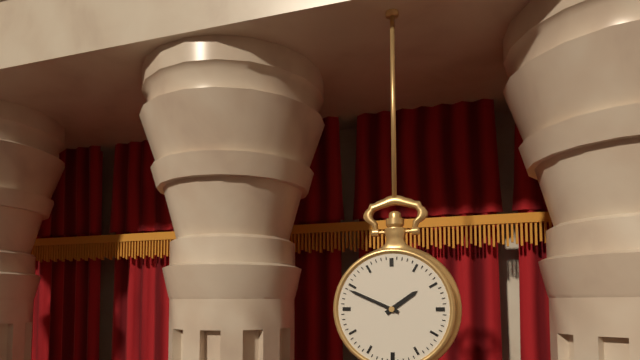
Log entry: **1:49**
